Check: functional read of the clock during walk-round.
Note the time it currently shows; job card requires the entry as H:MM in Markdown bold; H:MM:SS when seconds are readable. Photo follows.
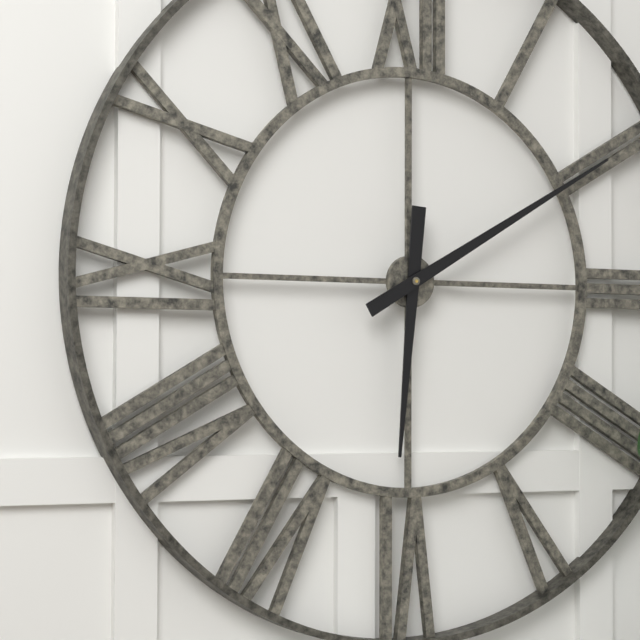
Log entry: **6:10**
